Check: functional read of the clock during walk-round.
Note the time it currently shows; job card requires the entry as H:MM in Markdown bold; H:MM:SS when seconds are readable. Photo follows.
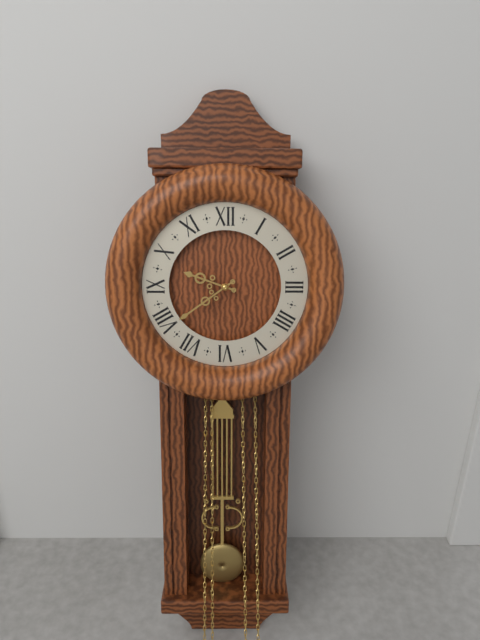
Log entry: **9:39**
